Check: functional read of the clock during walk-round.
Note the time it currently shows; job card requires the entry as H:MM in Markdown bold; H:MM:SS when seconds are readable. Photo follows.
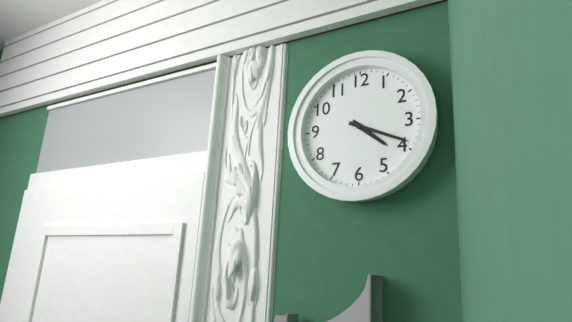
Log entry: **4:19**
